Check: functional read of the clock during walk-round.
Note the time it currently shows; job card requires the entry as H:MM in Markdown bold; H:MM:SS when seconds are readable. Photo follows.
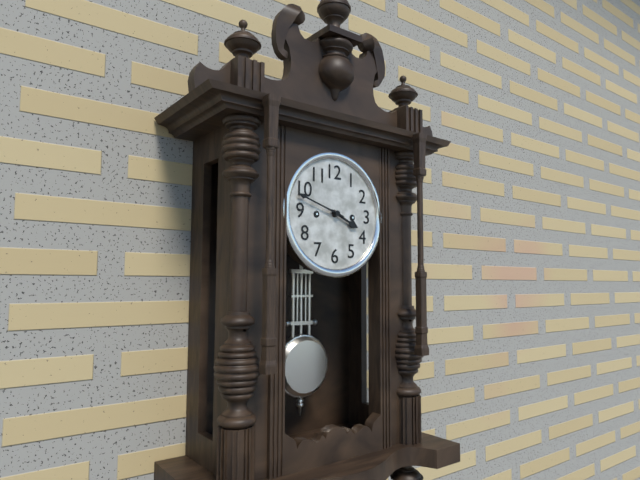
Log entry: **3:48**
